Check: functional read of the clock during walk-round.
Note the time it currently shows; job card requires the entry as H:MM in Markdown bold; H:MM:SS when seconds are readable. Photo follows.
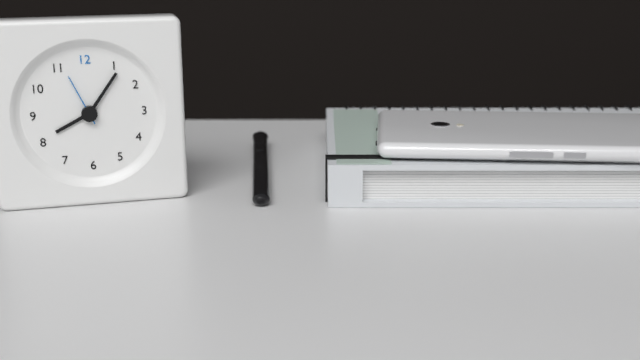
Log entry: **8:06:56**
